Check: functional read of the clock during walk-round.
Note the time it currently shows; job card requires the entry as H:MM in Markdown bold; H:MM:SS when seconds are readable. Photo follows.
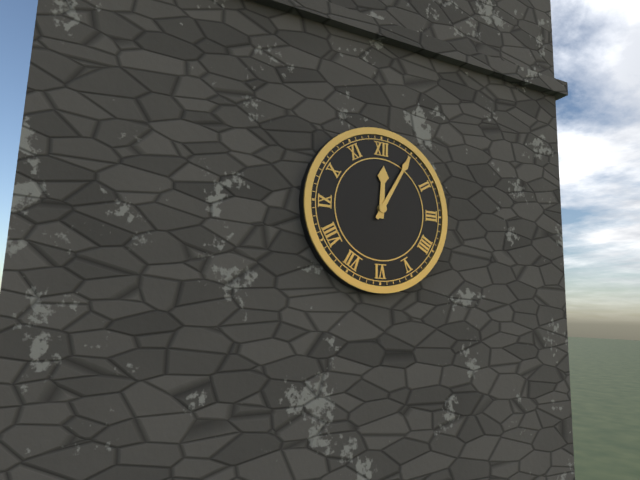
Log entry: **12:05**
